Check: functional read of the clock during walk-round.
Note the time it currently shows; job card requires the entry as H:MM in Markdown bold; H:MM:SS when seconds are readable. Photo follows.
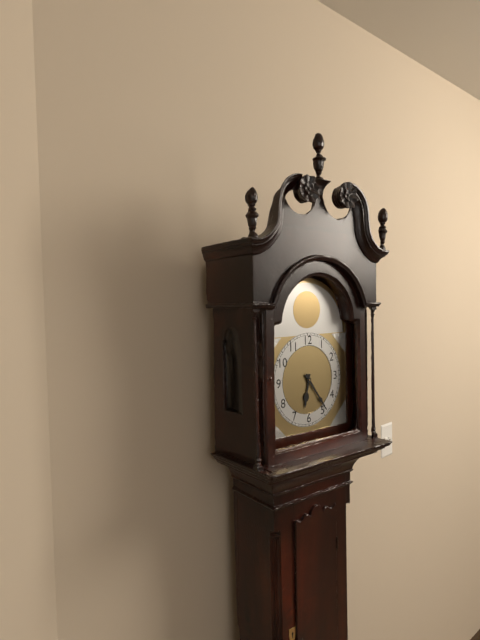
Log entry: **6:24**
